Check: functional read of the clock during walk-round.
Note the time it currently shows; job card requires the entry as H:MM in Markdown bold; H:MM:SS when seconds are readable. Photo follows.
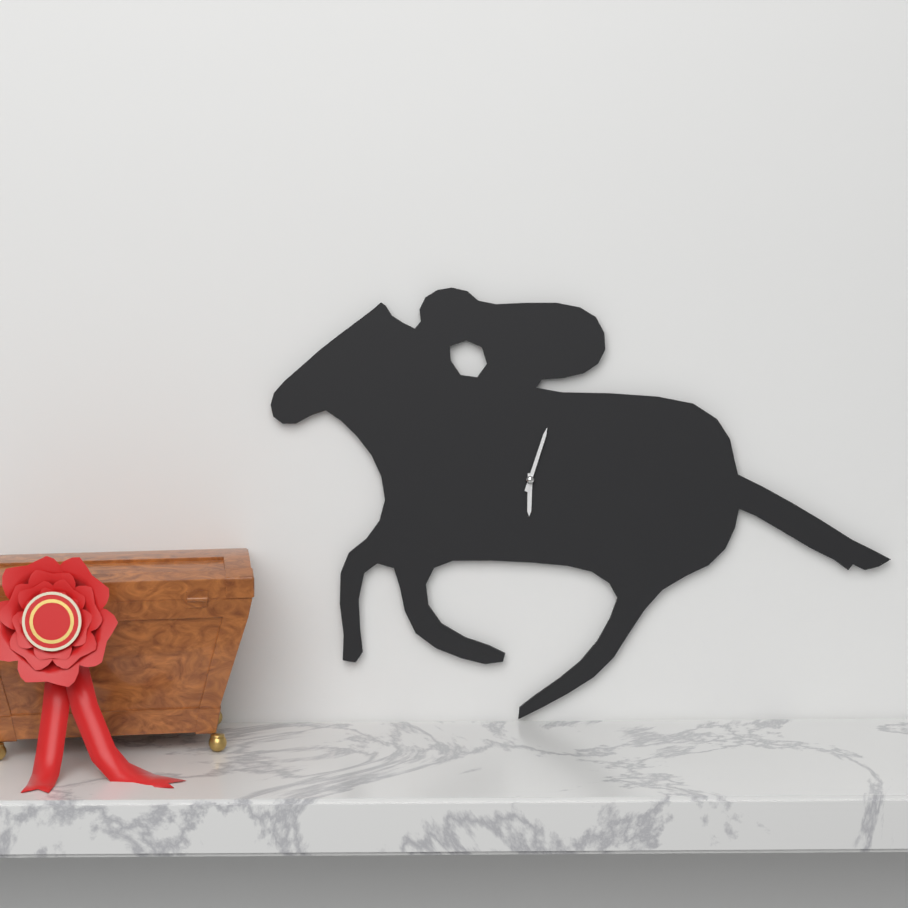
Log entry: **6:03**
